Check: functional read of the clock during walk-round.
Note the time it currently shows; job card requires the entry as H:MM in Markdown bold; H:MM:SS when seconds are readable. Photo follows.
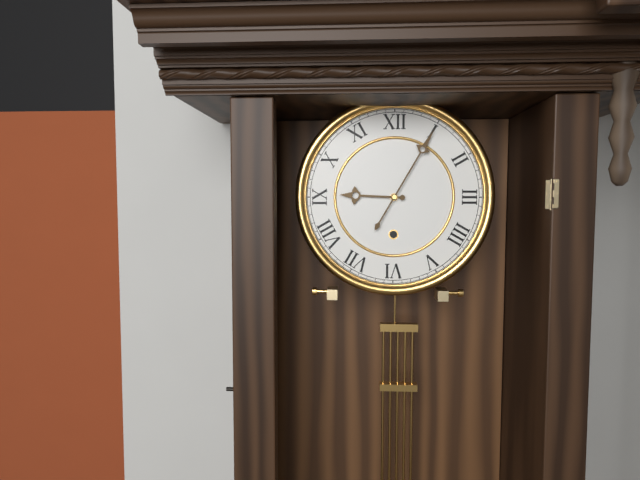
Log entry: **9:05**
